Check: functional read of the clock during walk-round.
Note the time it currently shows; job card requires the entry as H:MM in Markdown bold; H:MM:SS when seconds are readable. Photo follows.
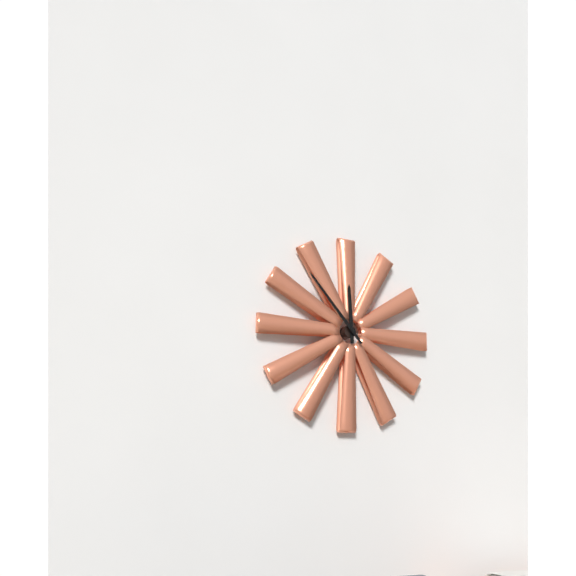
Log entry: **11:53**
